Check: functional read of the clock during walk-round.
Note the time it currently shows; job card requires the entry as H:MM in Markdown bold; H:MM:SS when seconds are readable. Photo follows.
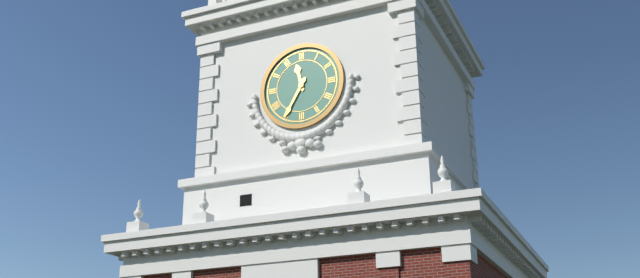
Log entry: **11:35**
